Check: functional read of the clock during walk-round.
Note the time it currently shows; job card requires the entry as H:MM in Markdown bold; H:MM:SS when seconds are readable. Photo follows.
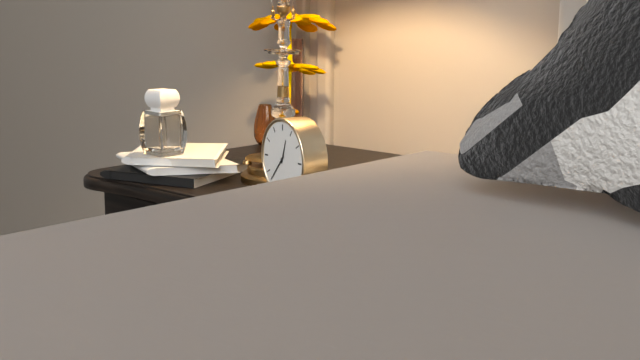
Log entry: **12:37**
